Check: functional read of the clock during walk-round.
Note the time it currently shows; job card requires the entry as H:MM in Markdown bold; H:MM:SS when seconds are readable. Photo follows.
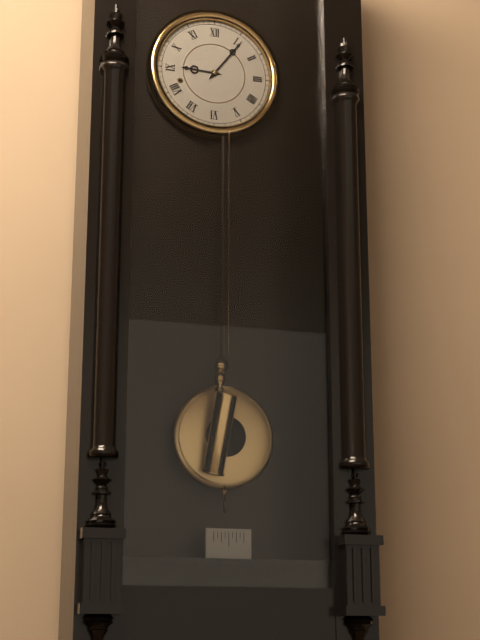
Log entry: **9:06**
